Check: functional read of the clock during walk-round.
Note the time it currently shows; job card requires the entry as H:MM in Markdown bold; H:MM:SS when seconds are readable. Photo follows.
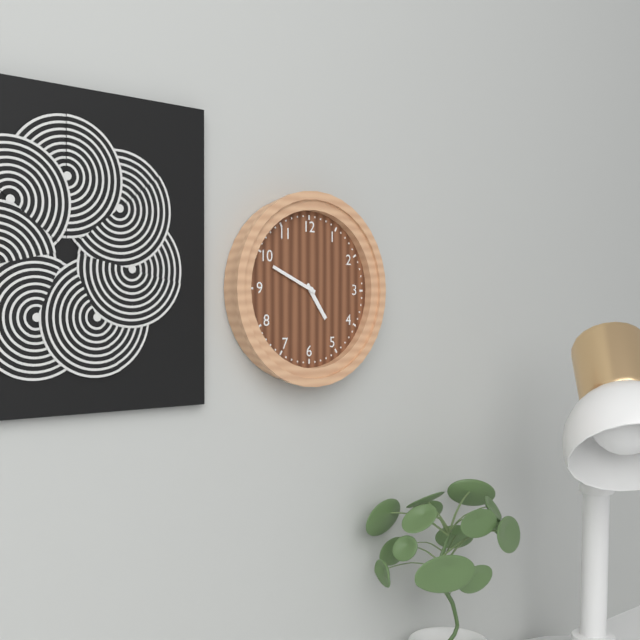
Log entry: **4:49**
